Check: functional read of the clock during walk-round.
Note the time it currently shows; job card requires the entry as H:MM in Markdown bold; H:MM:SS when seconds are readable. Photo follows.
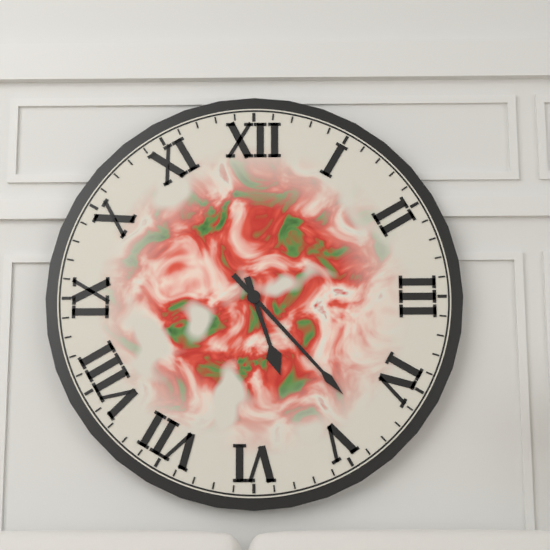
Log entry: **5:23**
